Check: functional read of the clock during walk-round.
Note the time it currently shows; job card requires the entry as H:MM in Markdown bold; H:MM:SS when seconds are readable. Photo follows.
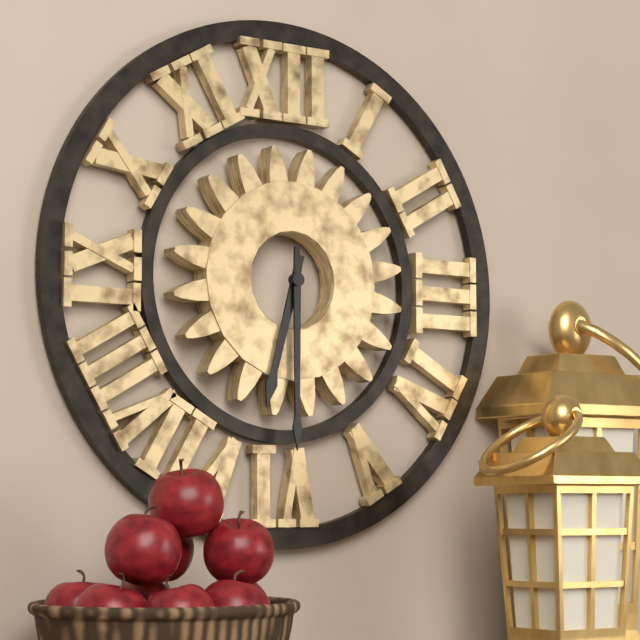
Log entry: **6:30**
